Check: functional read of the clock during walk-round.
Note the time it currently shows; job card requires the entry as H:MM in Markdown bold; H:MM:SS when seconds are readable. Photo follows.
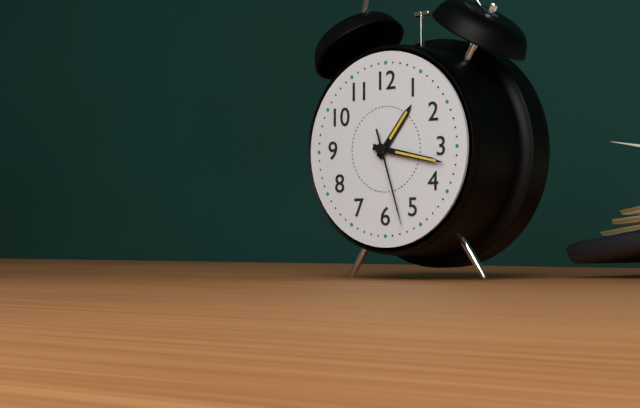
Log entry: **1:17:27**
